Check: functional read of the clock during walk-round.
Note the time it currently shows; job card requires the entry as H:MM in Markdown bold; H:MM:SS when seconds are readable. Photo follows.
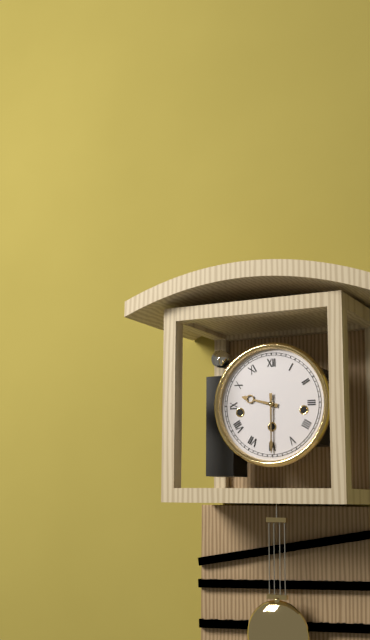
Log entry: **9:30**
